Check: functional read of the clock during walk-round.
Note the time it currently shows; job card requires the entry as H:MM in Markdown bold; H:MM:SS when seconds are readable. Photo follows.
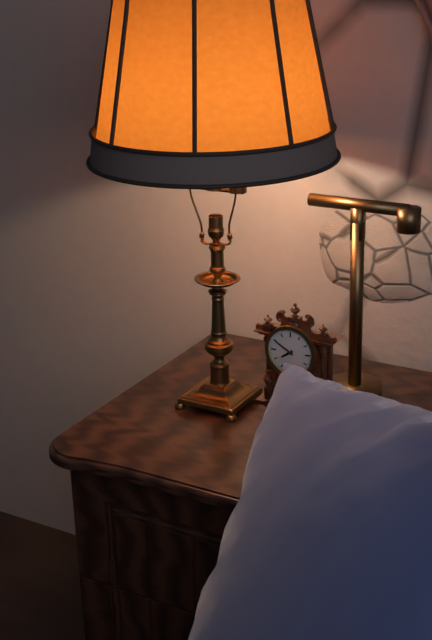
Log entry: **7:50**
